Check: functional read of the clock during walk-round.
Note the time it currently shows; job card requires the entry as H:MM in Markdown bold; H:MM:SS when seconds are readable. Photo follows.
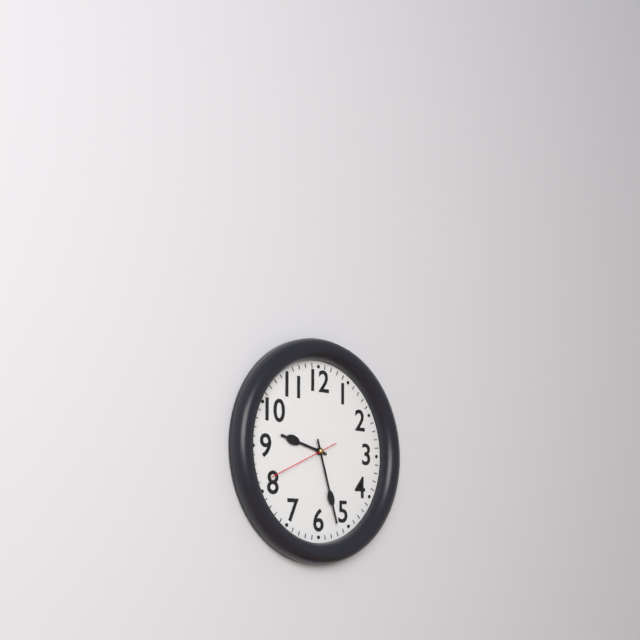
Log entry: **9:27:41**
